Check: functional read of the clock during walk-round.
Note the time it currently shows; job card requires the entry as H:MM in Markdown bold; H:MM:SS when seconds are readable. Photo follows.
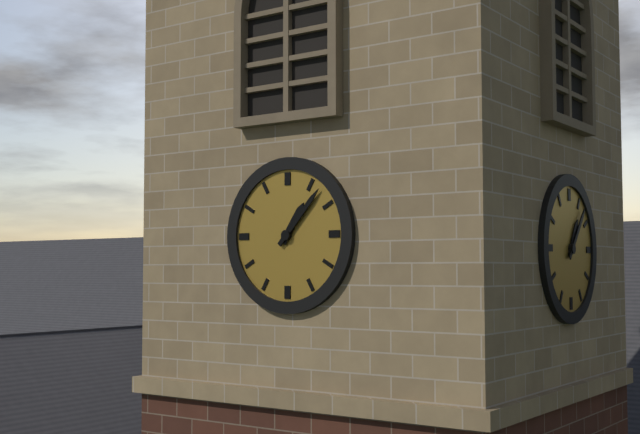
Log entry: **1:07**
